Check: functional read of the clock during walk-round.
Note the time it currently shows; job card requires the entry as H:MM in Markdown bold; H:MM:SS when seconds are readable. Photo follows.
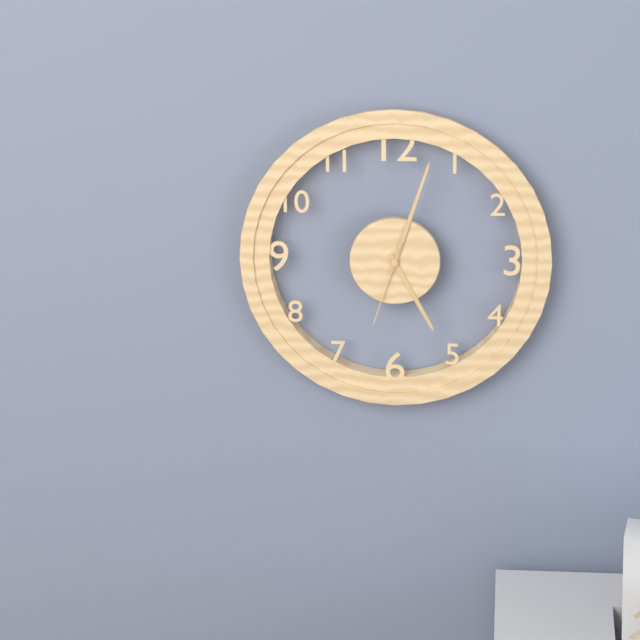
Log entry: **5:03:33**
